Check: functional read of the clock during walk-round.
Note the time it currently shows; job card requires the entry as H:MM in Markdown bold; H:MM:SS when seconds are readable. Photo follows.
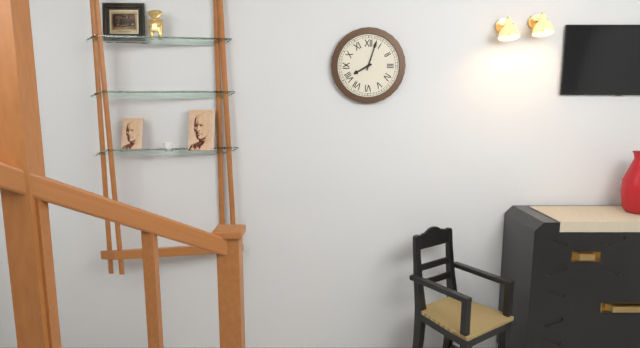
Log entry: **8:03**
